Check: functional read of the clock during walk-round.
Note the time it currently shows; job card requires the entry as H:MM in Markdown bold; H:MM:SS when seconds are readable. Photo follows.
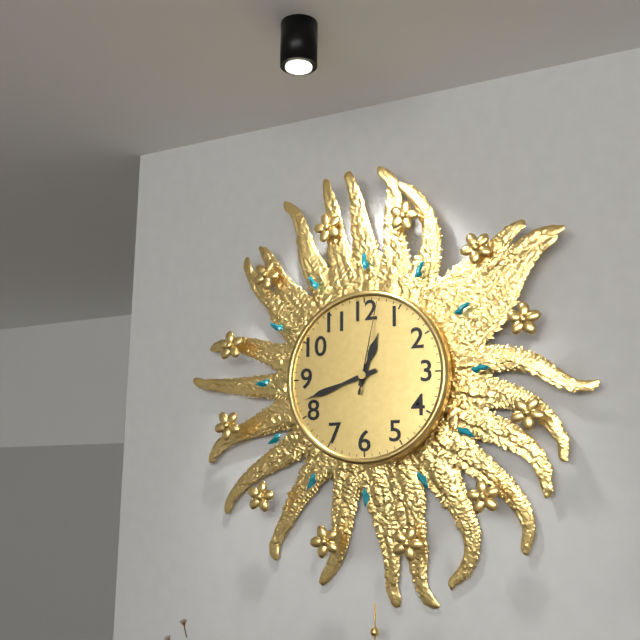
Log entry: **12:42:02**
